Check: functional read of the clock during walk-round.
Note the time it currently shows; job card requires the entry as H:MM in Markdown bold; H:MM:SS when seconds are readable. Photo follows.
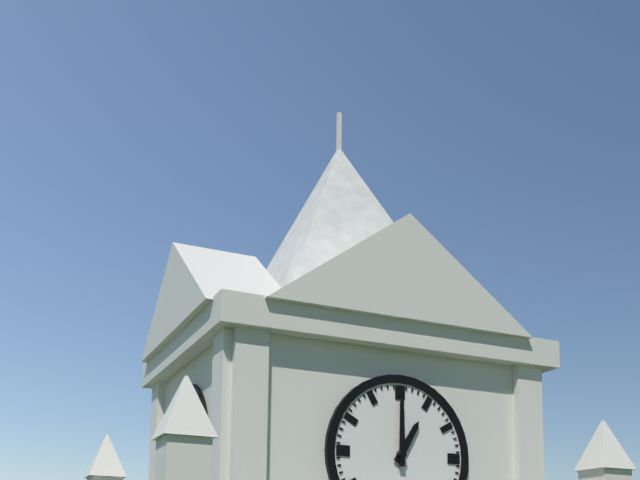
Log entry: **1:00**
